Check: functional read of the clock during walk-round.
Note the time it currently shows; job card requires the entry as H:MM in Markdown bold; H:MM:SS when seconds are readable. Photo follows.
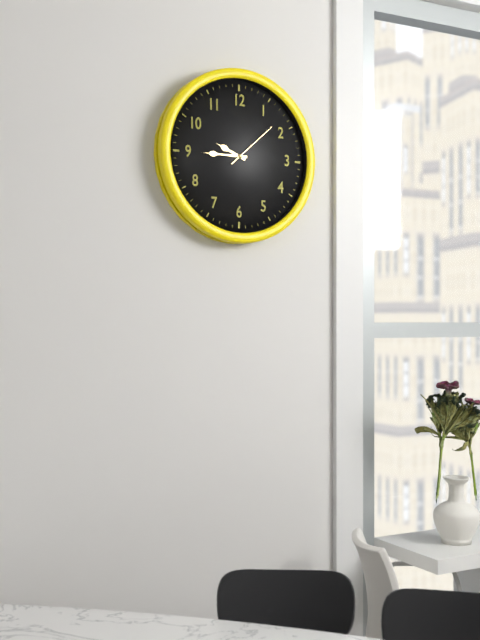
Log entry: **9:45:08**
